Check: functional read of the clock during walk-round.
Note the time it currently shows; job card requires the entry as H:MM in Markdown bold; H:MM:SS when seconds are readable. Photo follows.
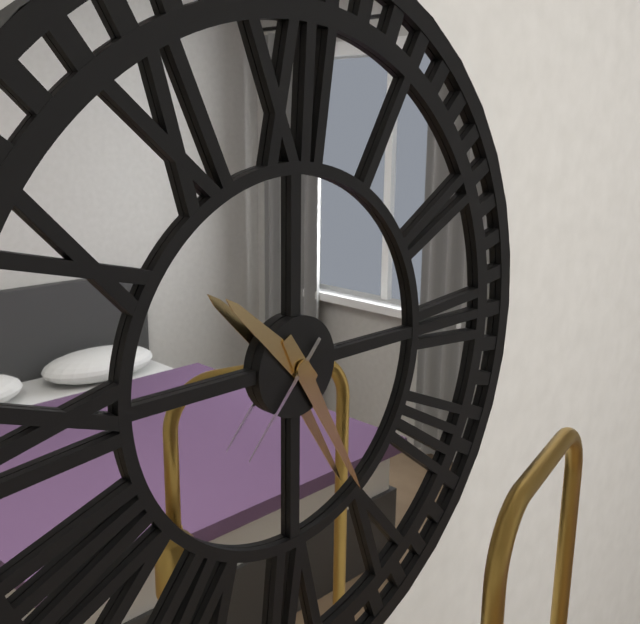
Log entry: **10:25:37**
